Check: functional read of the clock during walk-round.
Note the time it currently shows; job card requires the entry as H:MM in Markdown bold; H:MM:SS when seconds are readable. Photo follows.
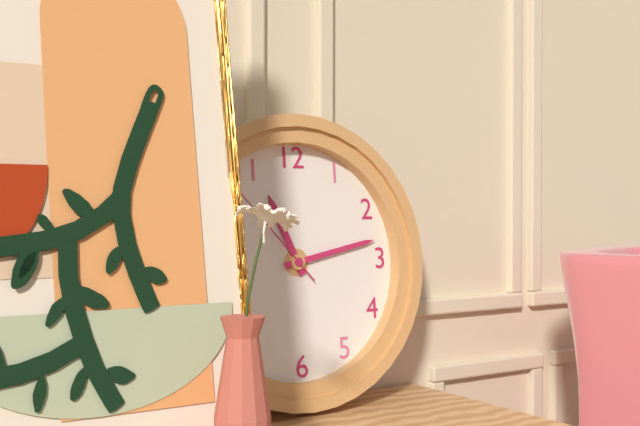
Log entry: **11:13**
